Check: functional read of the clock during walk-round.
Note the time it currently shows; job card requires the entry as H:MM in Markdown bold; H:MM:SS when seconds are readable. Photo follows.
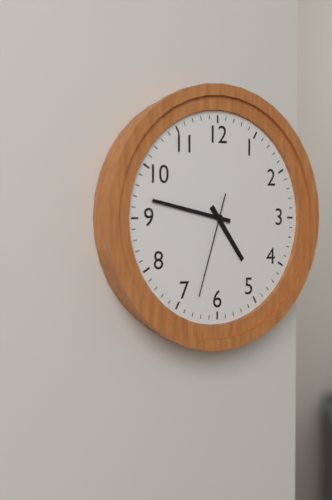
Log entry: **4:47:33**
